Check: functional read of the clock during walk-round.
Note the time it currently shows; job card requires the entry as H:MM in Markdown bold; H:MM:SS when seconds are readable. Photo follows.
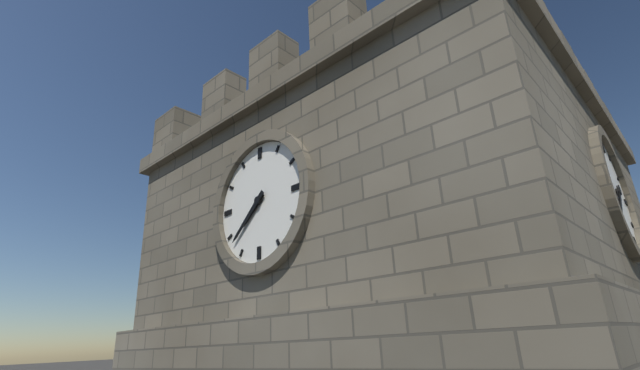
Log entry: **7:38**
